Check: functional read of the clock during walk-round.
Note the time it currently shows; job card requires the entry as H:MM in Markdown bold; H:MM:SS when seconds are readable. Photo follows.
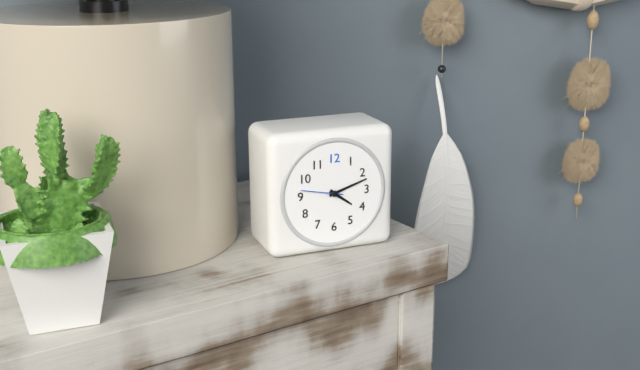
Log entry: **4:12**
